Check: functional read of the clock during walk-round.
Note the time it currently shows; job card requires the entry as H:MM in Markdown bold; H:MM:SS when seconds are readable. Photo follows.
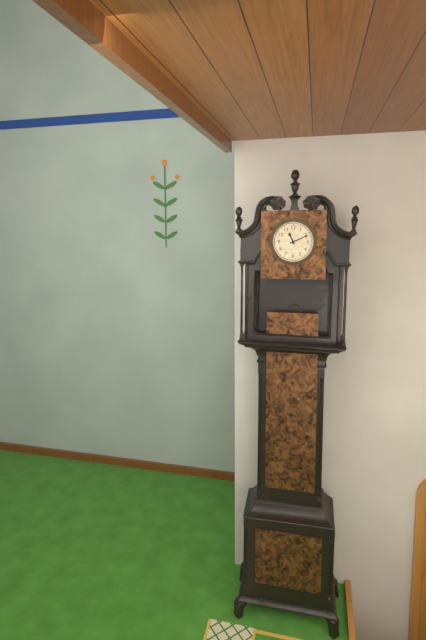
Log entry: **11:11**
